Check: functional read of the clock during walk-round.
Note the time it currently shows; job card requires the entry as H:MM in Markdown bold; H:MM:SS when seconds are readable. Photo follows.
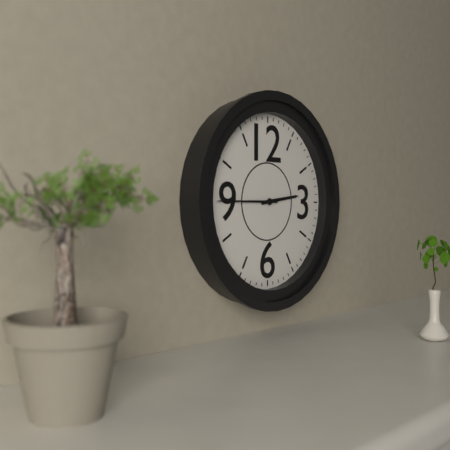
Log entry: **2:45**
